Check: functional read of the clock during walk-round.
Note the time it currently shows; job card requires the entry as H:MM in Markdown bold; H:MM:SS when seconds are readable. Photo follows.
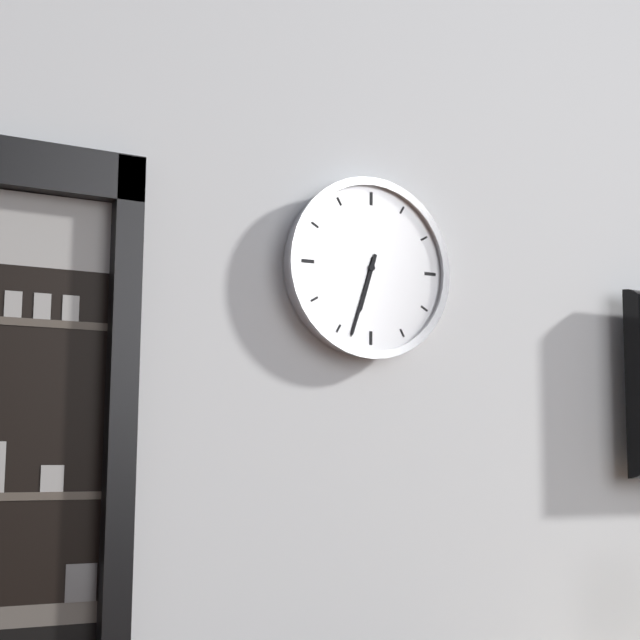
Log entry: **6:33**
